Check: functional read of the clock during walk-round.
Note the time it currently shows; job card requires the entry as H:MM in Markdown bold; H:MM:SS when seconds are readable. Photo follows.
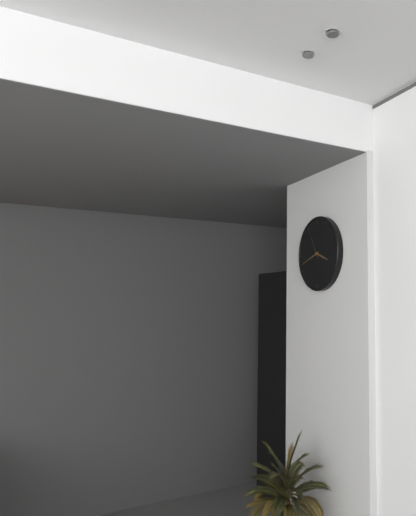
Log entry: **3:42**
